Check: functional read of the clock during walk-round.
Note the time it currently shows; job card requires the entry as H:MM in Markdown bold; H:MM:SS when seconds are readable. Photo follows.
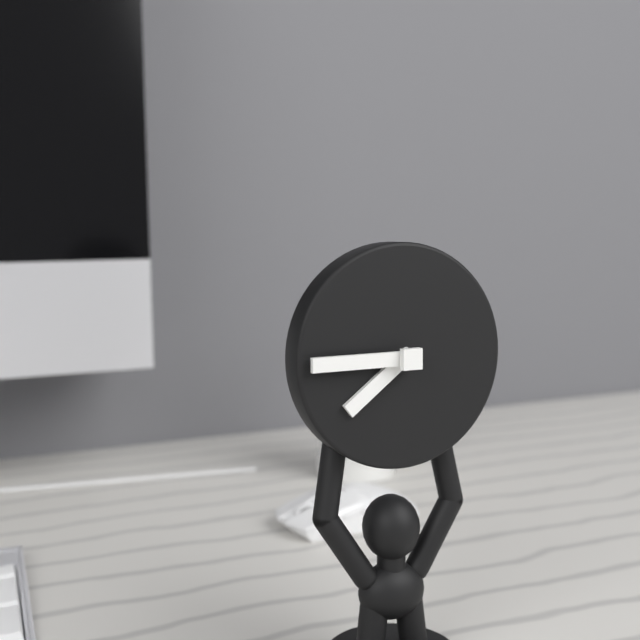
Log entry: **7:45**
